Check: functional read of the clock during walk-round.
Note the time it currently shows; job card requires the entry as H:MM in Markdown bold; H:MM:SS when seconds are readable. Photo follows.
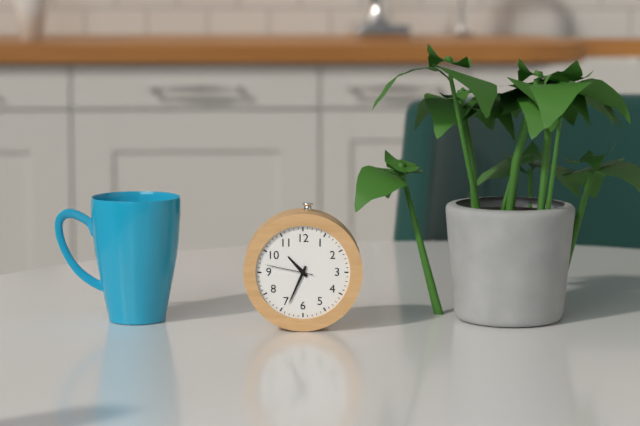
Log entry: **10:34**
